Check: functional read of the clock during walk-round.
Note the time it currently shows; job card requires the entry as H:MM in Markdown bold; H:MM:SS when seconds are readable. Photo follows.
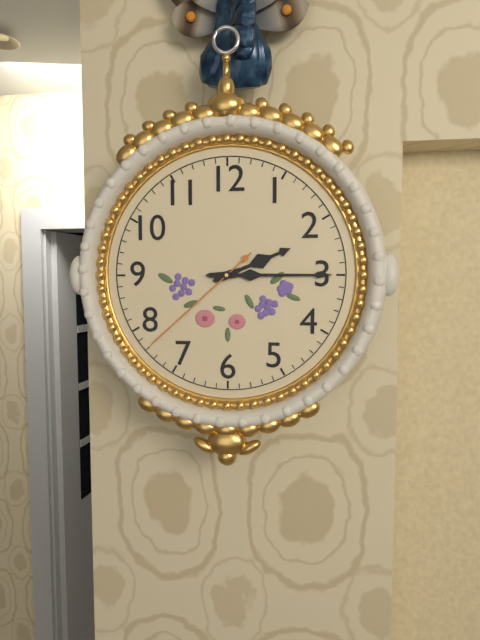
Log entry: **2:15:38**
